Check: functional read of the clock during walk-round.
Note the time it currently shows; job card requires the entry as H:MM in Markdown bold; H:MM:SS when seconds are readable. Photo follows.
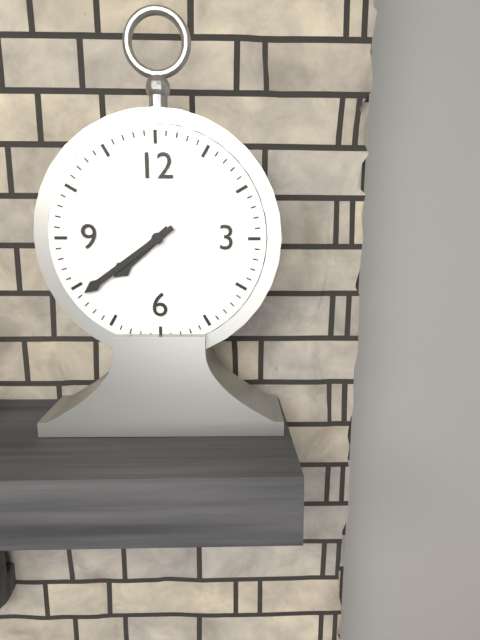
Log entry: **7:39**
